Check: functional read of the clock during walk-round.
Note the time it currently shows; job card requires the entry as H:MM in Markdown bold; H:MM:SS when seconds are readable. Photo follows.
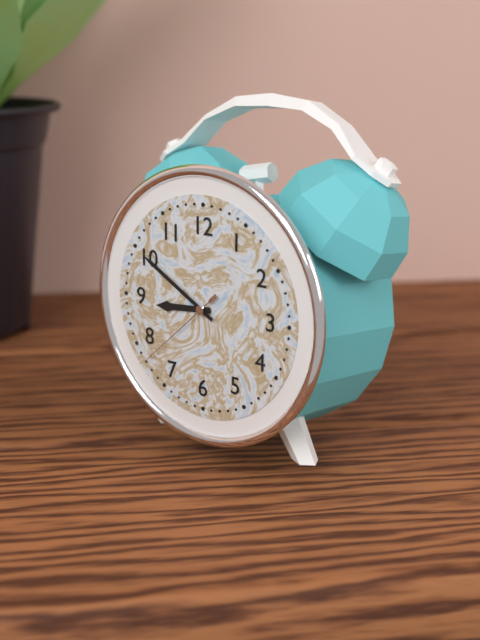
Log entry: **8:50:38**
